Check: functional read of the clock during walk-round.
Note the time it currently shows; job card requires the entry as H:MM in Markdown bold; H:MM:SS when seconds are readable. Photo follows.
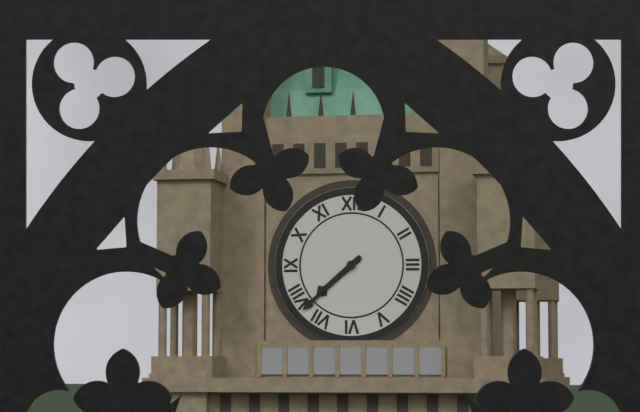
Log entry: **7:38**
